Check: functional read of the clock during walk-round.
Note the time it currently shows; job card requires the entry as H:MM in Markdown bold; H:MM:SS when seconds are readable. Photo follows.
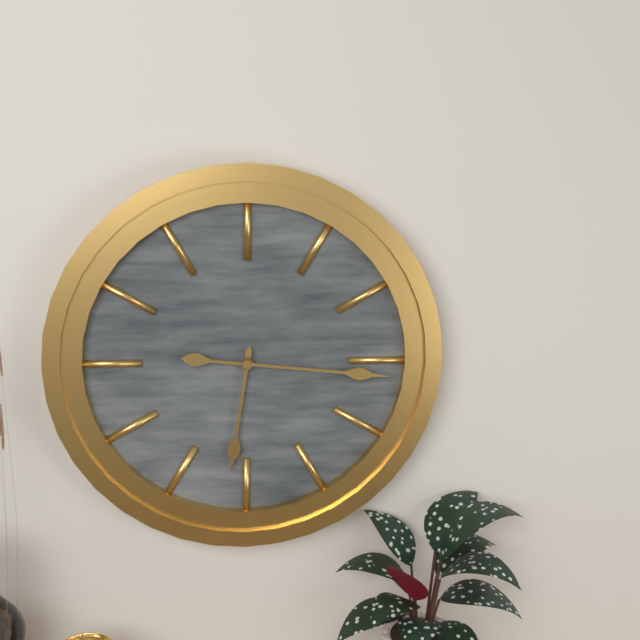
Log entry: **6:16**
